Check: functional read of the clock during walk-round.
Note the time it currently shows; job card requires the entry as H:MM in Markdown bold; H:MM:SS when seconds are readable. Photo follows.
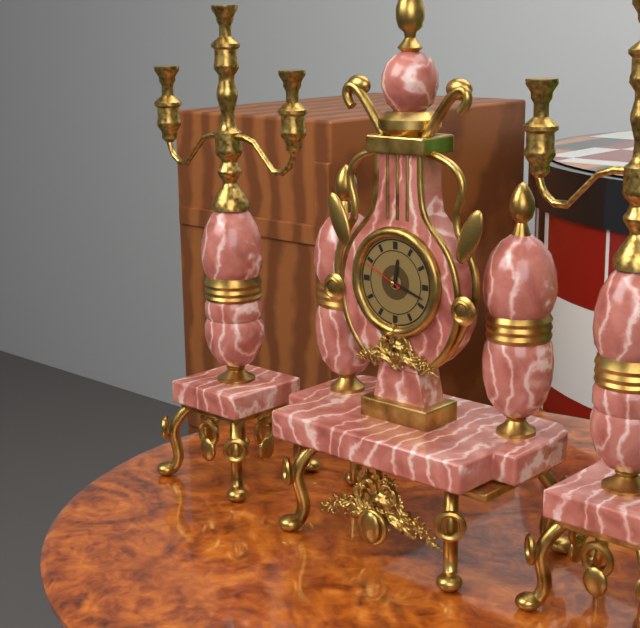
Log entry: **12:18**
